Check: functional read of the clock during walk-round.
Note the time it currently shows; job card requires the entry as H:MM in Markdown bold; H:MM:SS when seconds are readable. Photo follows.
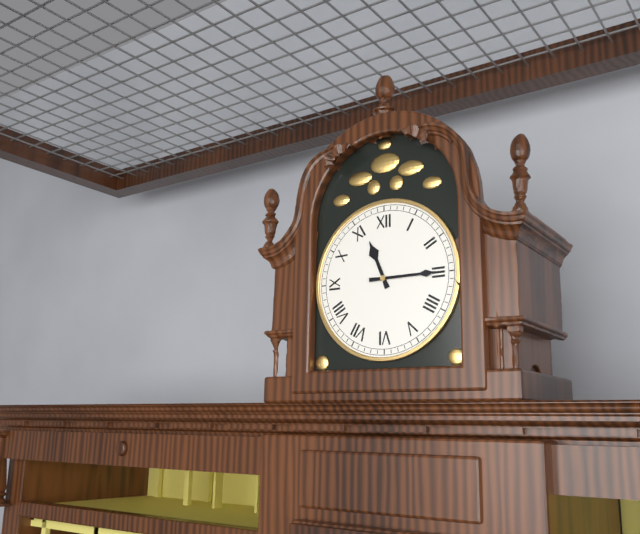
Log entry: **11:15**
